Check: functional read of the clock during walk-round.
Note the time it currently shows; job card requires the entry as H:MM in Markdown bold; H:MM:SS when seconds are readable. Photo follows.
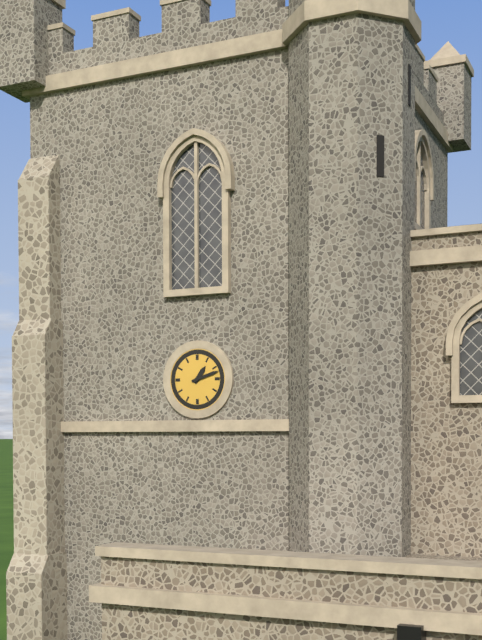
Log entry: **1:12**
